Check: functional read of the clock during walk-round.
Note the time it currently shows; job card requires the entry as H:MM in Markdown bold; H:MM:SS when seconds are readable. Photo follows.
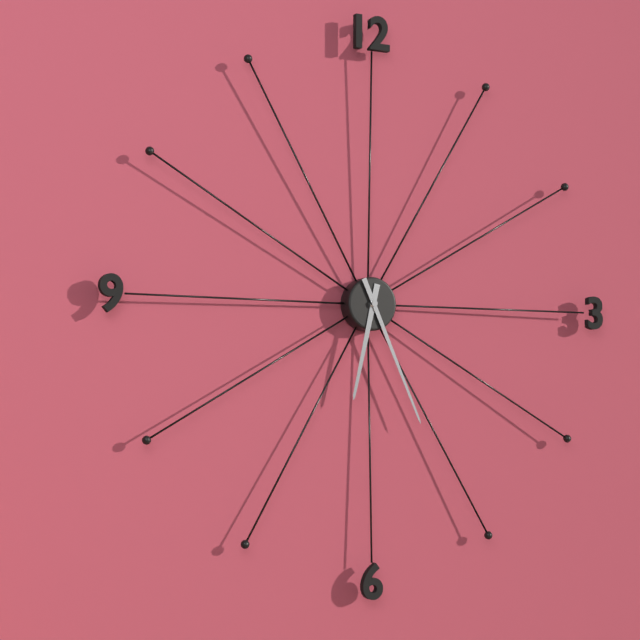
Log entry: **6:26**
